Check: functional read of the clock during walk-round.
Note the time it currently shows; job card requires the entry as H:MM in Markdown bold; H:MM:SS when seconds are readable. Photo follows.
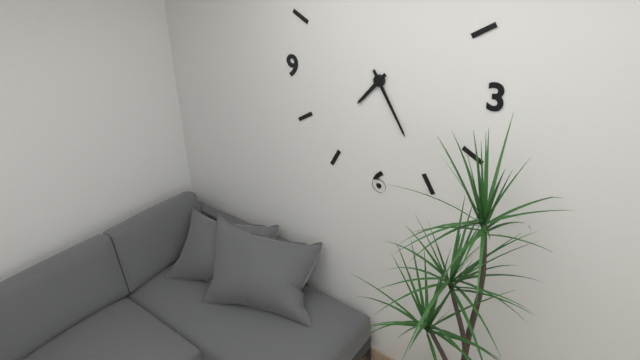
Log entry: **7:25**
